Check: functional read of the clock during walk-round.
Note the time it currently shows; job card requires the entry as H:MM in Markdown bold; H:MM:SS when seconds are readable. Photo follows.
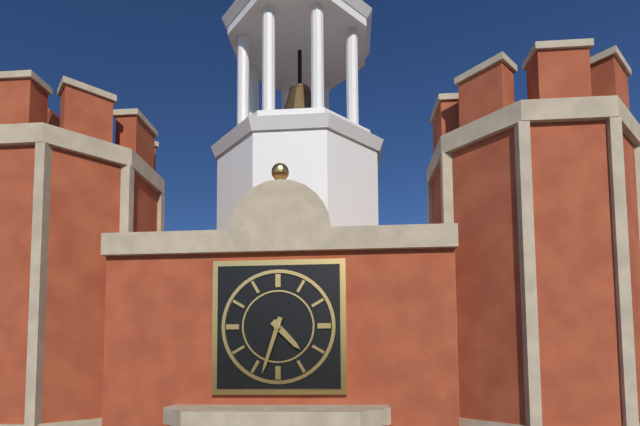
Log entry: **4:33**
